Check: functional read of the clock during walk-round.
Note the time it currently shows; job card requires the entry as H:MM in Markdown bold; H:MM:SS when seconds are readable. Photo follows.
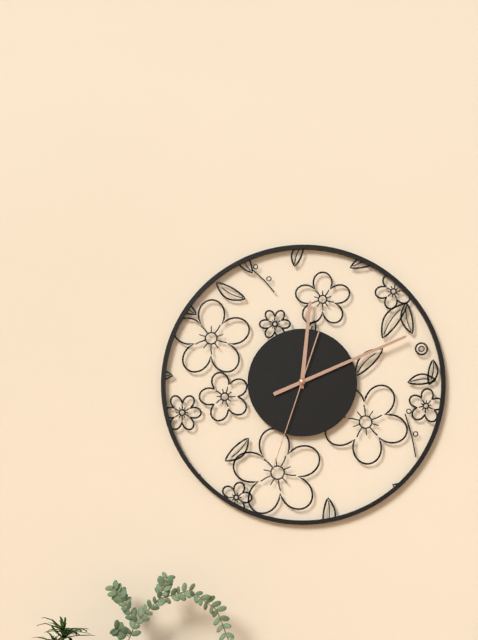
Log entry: **12:11:33**
